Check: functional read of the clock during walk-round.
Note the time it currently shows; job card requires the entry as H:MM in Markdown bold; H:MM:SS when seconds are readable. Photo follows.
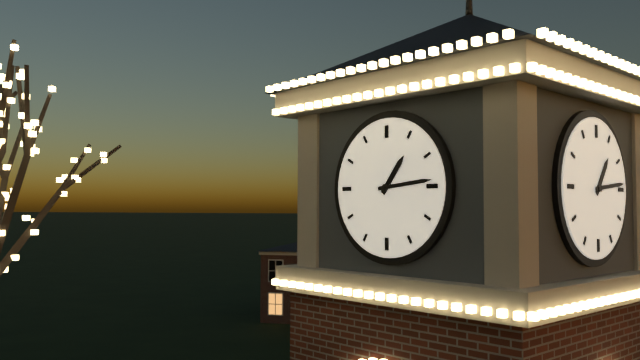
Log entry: **1:14**
